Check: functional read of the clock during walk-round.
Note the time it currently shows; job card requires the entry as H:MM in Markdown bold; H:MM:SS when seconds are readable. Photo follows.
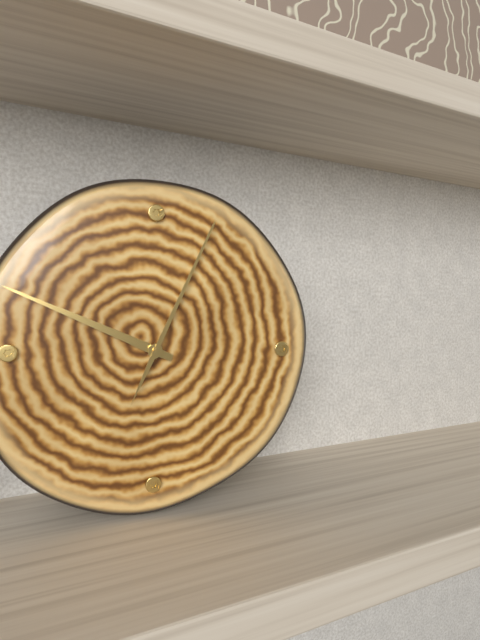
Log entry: **9:49:04**
